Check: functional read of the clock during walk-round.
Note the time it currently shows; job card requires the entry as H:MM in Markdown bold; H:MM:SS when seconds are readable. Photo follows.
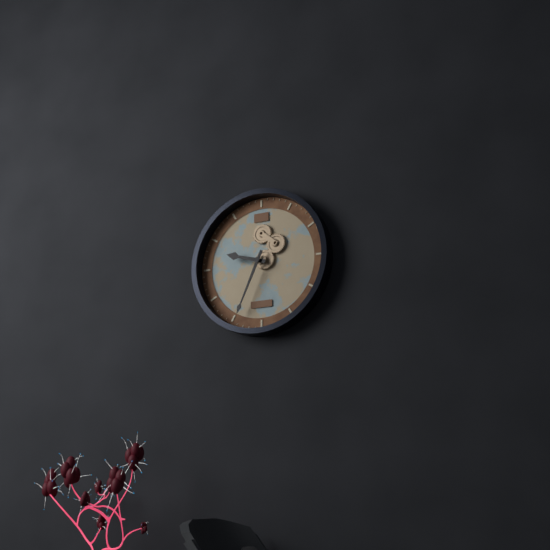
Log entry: **9:34**
